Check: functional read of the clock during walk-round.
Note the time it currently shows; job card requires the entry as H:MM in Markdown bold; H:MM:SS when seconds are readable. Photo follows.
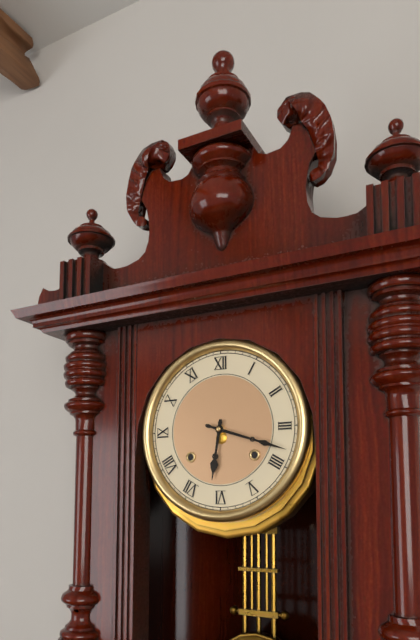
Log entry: **6:18**
